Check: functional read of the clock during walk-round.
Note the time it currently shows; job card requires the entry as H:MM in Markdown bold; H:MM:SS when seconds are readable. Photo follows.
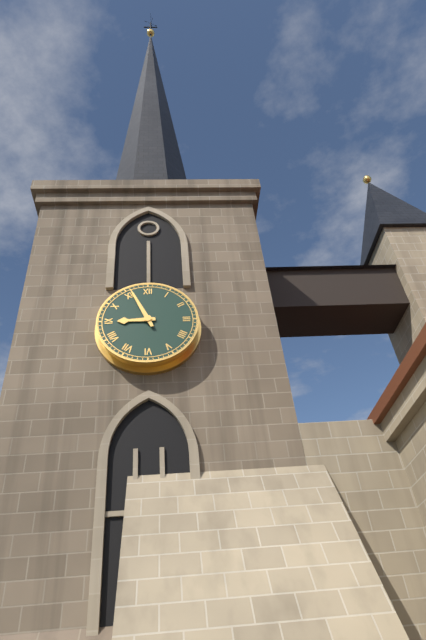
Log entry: **8:56**
